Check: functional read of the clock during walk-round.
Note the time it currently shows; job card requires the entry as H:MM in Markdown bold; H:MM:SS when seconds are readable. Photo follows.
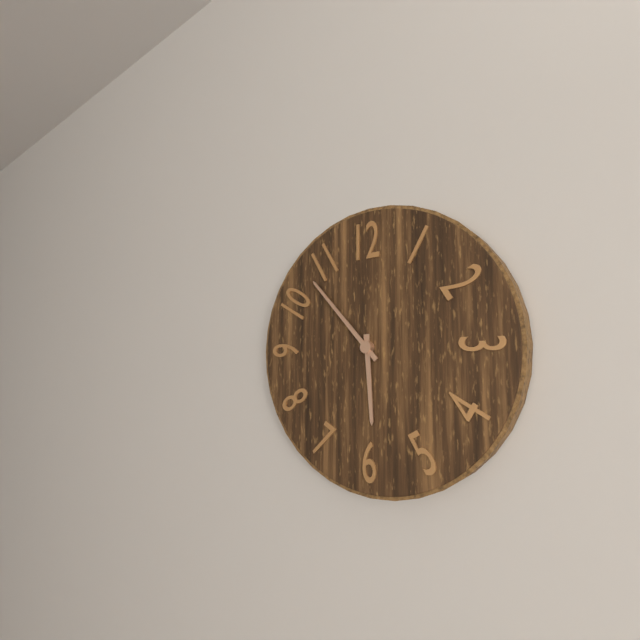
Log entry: **5:53**
